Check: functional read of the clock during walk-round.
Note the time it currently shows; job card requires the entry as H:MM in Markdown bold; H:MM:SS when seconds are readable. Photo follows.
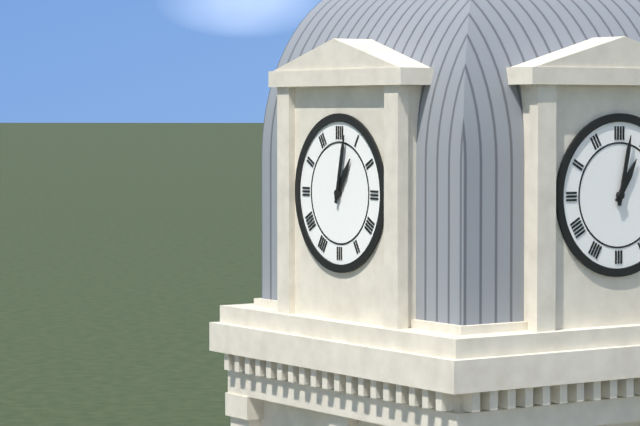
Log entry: **1:02**
